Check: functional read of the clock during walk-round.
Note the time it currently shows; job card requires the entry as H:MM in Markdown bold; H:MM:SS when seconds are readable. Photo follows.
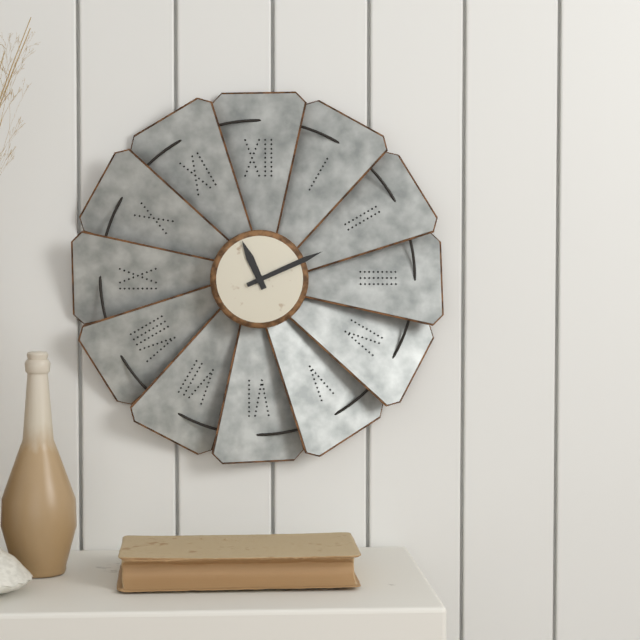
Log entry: **11:11**
